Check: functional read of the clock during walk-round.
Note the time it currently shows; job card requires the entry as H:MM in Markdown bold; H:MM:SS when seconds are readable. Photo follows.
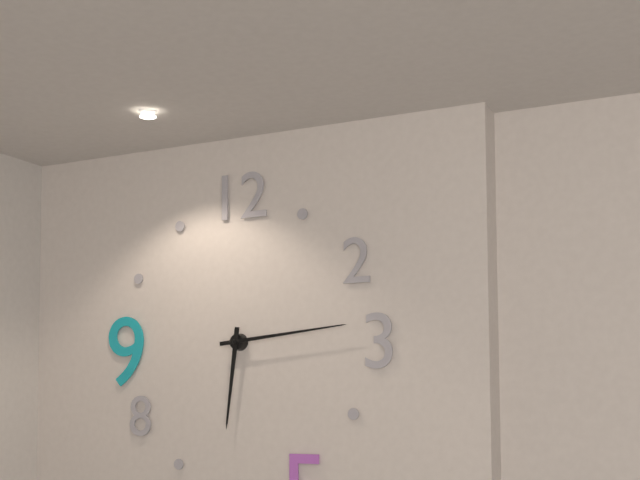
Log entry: **6:14**
